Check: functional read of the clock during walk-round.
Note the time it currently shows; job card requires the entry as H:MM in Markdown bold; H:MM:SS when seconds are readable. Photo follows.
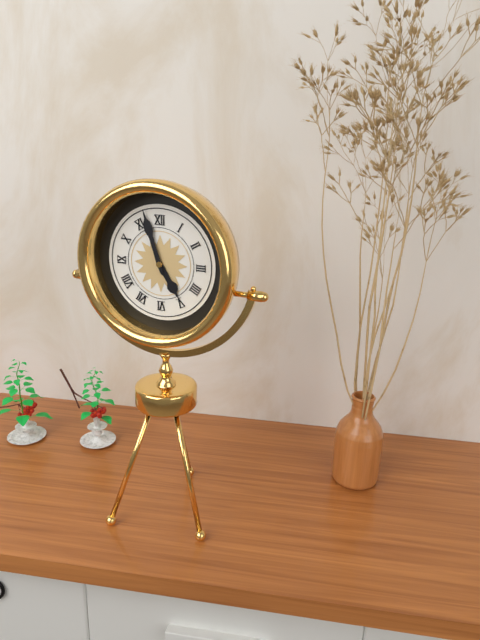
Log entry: **4:57**
